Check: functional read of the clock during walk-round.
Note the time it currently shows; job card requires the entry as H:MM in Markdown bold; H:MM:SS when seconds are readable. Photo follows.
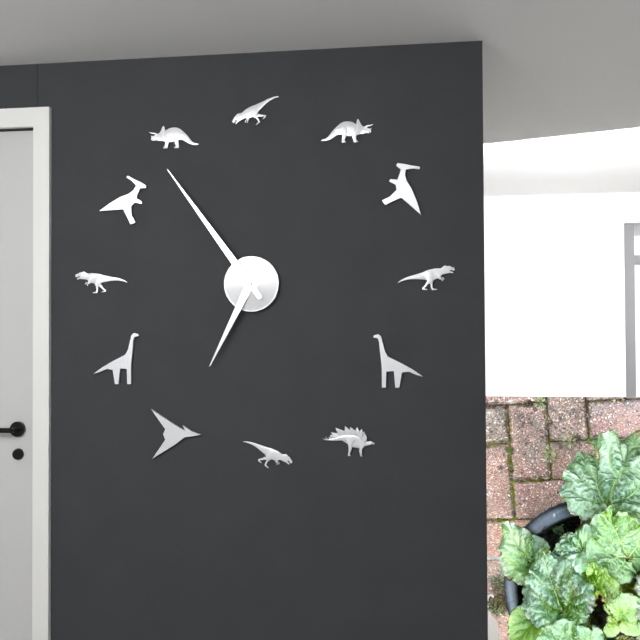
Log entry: **6:54**
